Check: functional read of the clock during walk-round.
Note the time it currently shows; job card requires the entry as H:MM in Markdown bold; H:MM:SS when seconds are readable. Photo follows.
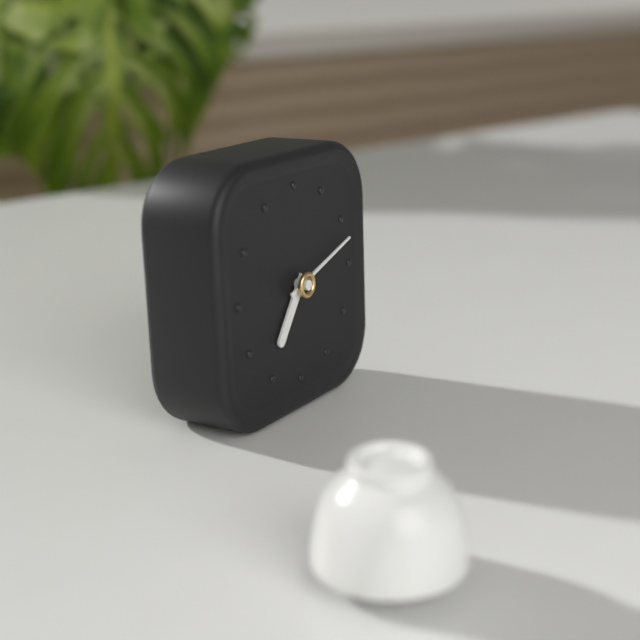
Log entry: **7:12**
